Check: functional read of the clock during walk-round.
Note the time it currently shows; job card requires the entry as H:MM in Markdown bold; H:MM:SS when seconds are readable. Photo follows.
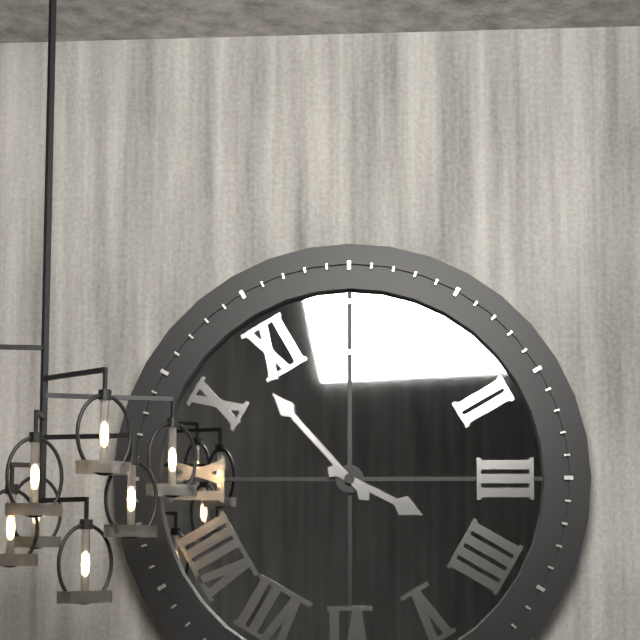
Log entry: **3:53**
